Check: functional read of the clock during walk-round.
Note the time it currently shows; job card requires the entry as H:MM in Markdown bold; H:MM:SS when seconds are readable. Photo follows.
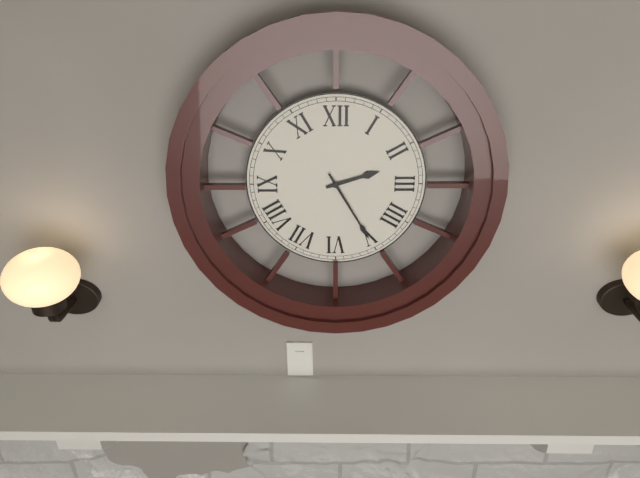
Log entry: **2:25**
